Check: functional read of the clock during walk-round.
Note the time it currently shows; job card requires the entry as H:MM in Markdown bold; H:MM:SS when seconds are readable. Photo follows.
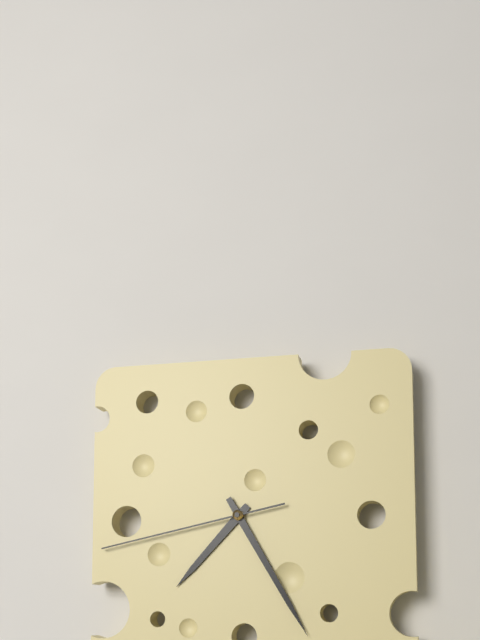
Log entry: **7:25:43**
